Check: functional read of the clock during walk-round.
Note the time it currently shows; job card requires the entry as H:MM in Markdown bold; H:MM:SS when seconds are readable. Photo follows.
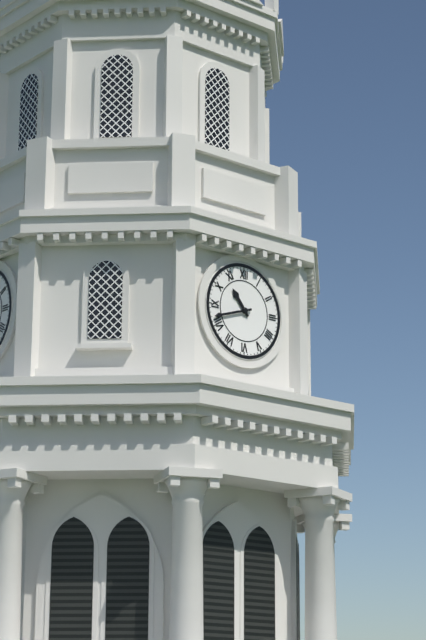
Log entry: **10:42**
